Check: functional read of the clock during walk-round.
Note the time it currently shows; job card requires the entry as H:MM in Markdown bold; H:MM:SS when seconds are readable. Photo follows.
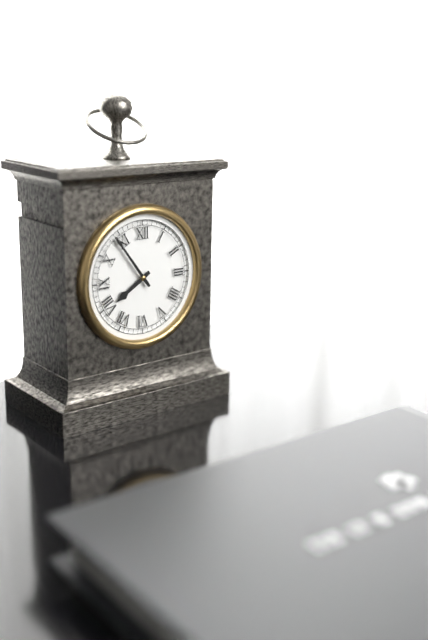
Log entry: **7:54**
